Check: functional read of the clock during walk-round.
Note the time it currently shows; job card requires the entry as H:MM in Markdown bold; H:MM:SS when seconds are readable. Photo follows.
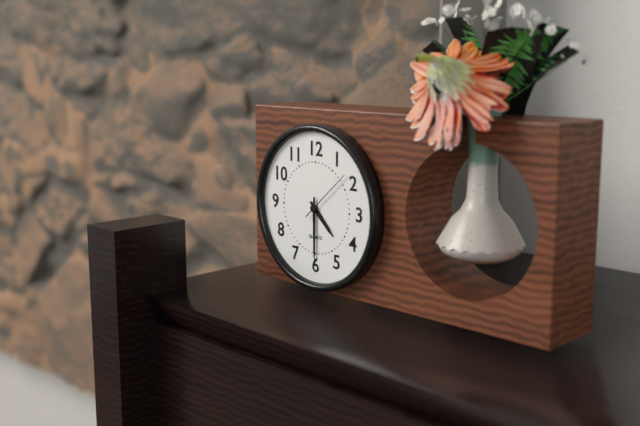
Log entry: **4:30**
